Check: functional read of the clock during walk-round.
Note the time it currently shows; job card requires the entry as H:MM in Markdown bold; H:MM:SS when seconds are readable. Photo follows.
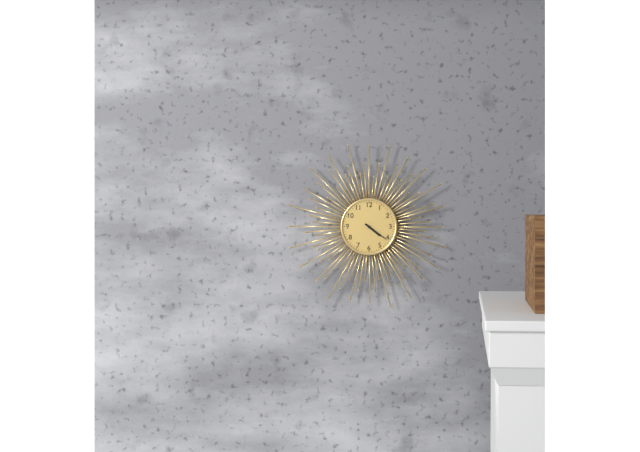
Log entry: **4:21**
